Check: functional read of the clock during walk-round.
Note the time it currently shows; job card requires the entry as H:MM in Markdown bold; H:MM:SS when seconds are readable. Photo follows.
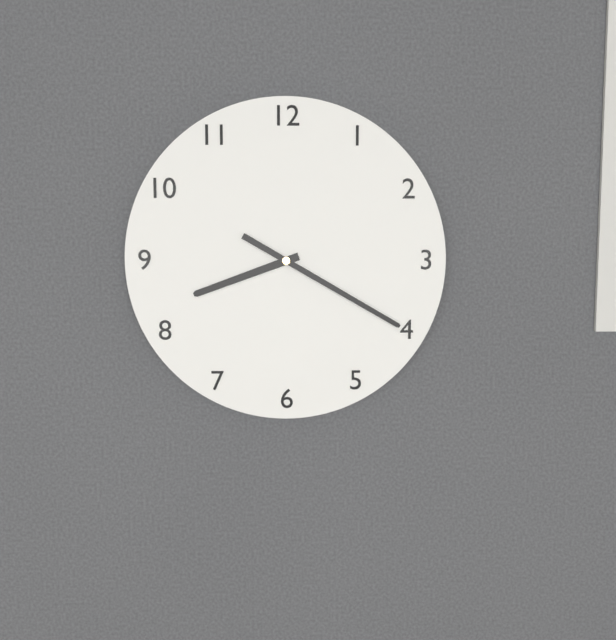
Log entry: **8:20**
